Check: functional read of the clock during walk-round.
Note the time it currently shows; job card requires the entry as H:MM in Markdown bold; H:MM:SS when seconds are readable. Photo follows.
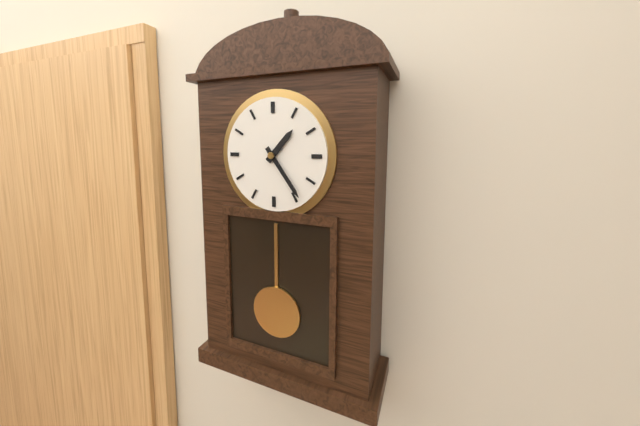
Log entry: **1:24**
